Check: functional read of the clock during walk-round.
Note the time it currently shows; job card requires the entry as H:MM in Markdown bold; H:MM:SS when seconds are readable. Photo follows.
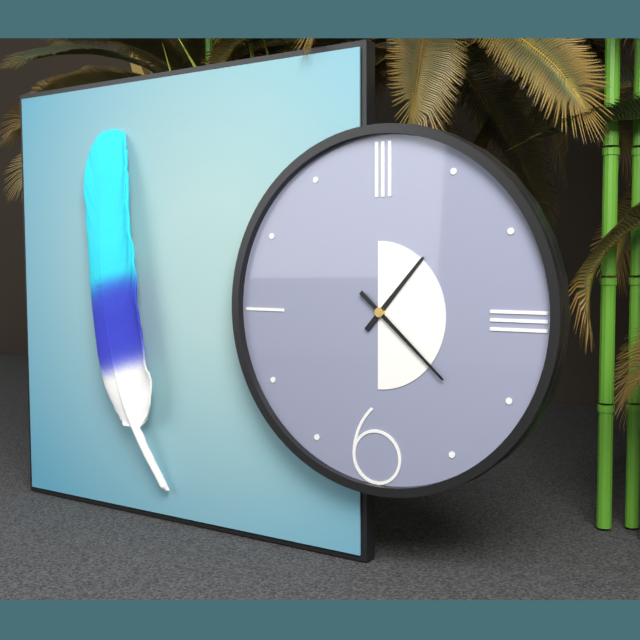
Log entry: **1:22**
